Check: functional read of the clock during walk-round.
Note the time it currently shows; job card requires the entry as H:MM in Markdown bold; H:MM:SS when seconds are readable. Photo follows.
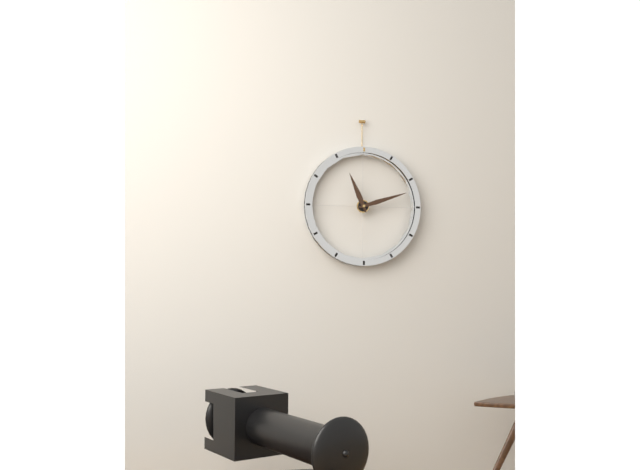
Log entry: **11:12**
